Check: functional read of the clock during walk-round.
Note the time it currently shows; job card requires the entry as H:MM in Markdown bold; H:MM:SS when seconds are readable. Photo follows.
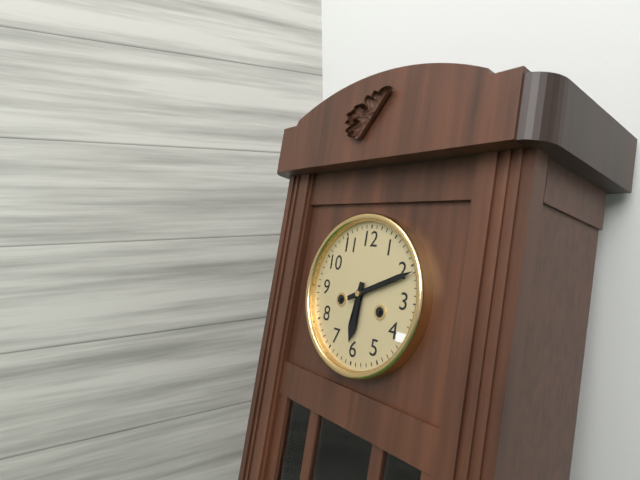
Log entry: **6:11**
